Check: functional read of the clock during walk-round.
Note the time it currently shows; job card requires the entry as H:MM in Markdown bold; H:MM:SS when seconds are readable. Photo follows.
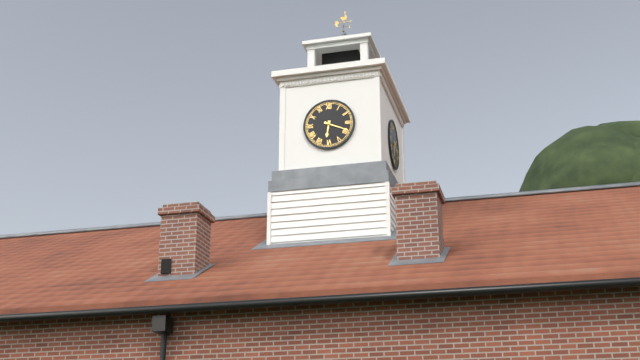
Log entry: **6:19**
